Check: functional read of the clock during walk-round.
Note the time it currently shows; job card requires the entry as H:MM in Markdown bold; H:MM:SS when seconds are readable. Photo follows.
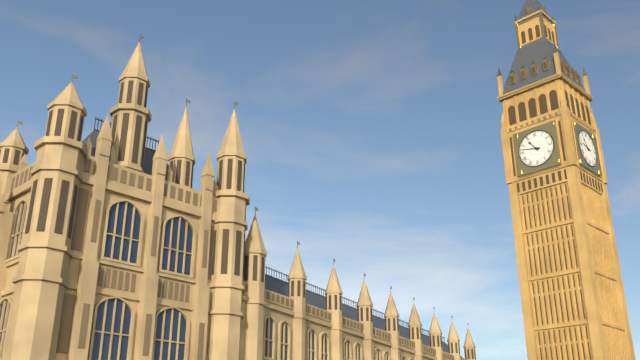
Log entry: **10:47**
